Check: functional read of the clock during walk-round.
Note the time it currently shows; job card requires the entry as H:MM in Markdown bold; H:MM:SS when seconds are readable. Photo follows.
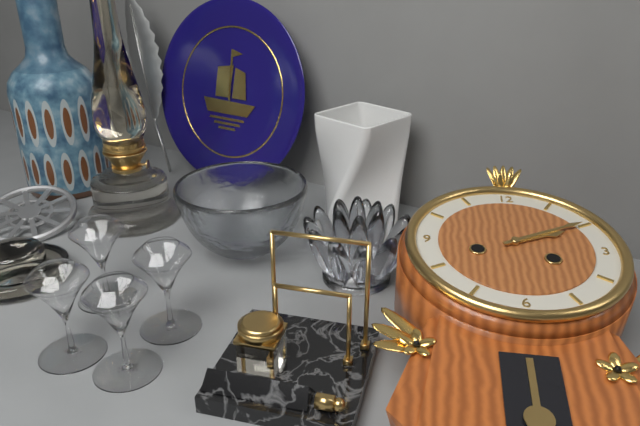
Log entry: **2:10**
